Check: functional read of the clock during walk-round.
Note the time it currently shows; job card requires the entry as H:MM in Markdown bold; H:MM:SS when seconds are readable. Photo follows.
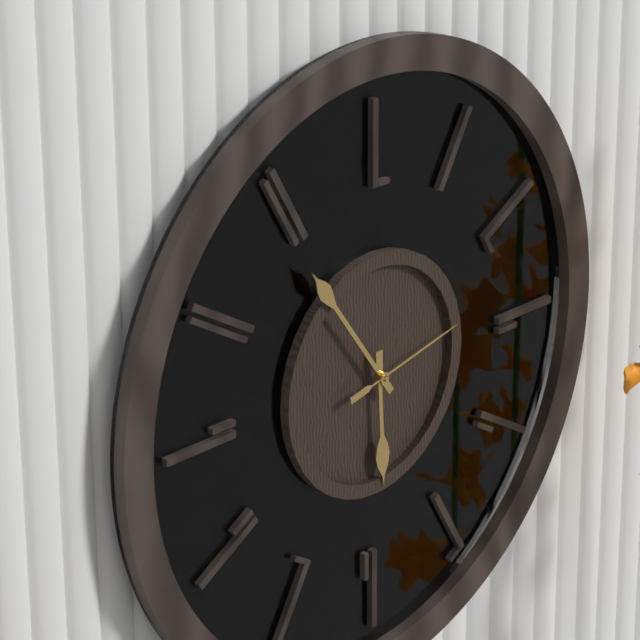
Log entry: **5:54:13**
